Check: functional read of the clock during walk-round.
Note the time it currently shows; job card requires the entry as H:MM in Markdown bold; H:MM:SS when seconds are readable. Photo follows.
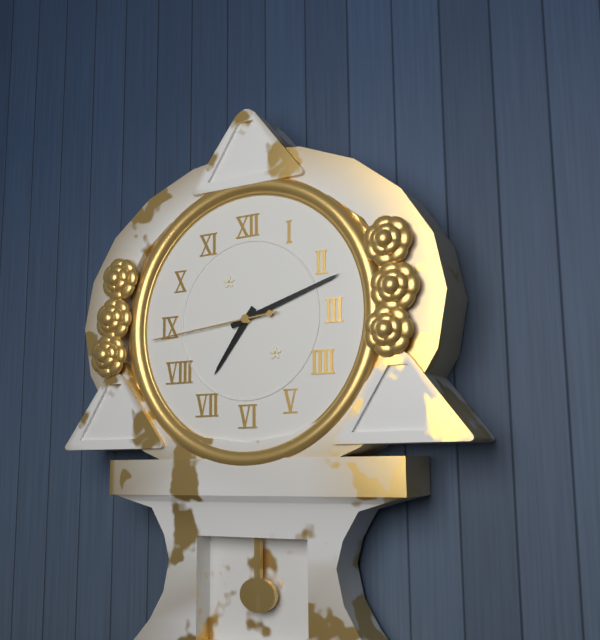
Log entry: **7:12:44**
